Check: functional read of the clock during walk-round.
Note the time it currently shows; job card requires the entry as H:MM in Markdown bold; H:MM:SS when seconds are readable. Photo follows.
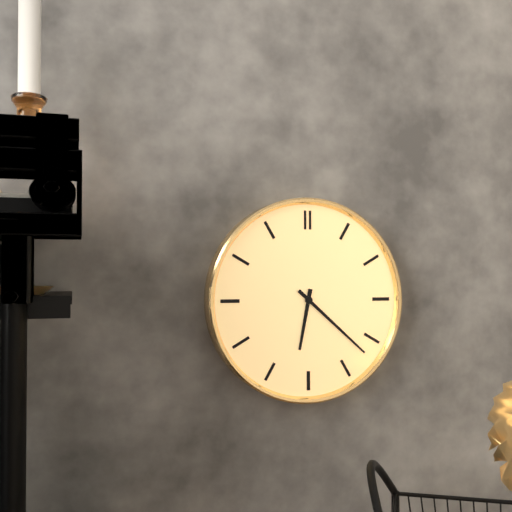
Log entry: **6:22**
